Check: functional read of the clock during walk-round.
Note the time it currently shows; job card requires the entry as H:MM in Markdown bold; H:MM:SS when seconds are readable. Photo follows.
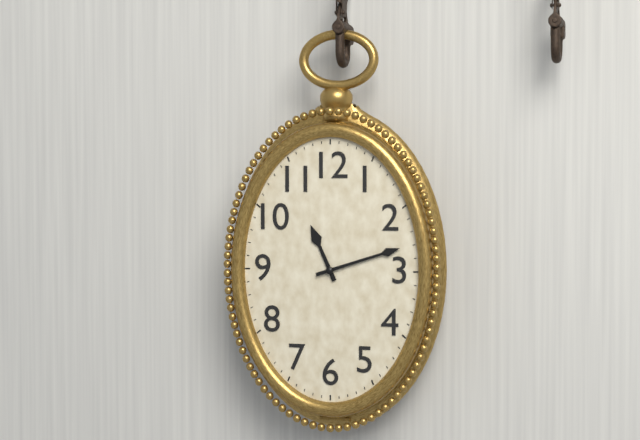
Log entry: **11:12**
